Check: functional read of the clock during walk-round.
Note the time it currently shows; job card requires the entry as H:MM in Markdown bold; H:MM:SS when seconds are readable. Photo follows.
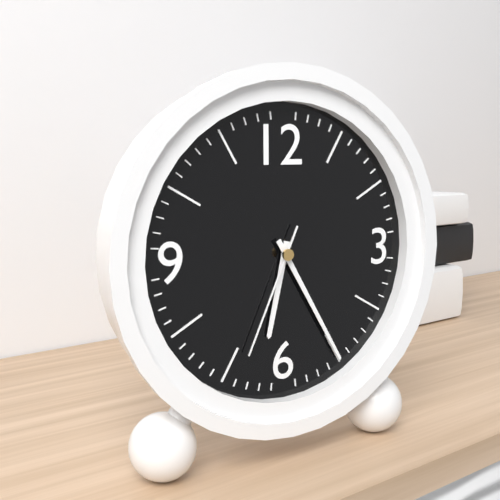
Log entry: **6:25:34**
